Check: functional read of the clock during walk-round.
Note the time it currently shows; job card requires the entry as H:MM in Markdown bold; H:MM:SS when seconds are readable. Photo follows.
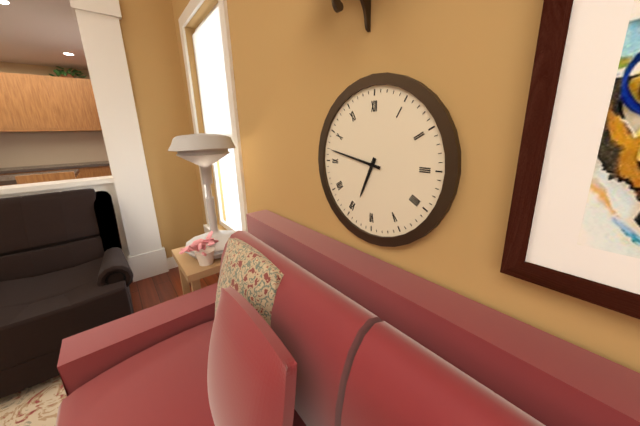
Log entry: **6:47**
